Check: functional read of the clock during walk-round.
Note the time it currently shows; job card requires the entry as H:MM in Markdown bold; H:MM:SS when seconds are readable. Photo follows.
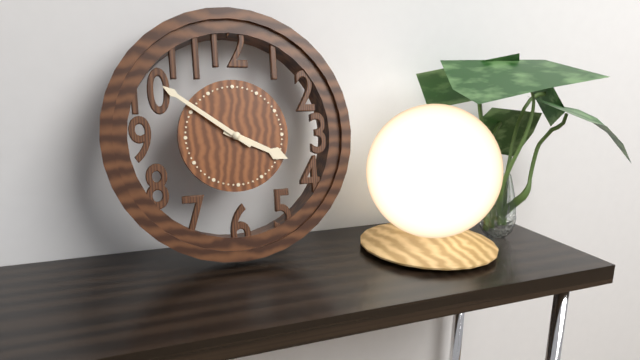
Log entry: **3:51**
